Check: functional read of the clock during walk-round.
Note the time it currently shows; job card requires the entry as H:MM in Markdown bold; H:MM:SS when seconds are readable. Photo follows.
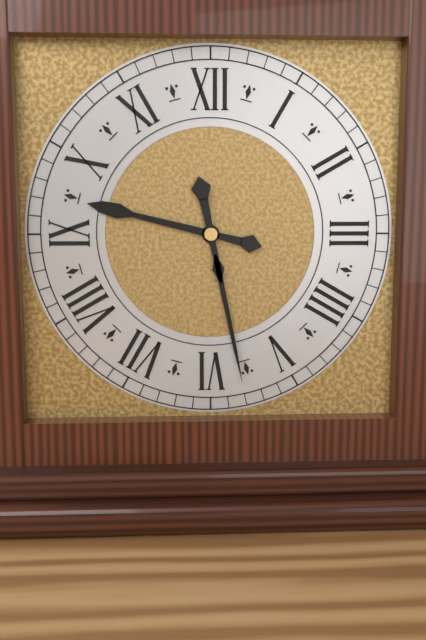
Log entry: **9:28**
